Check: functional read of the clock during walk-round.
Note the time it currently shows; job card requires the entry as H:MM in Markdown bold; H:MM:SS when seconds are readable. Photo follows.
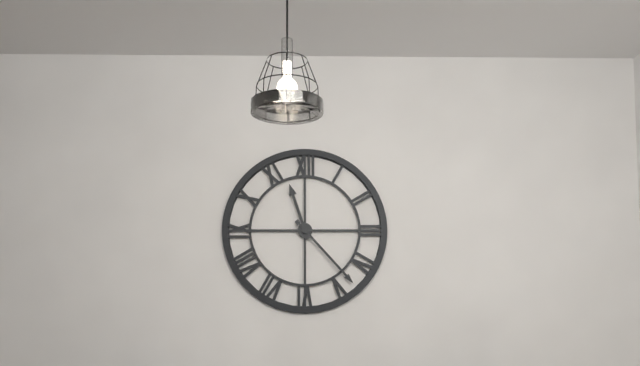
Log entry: **11:23**
